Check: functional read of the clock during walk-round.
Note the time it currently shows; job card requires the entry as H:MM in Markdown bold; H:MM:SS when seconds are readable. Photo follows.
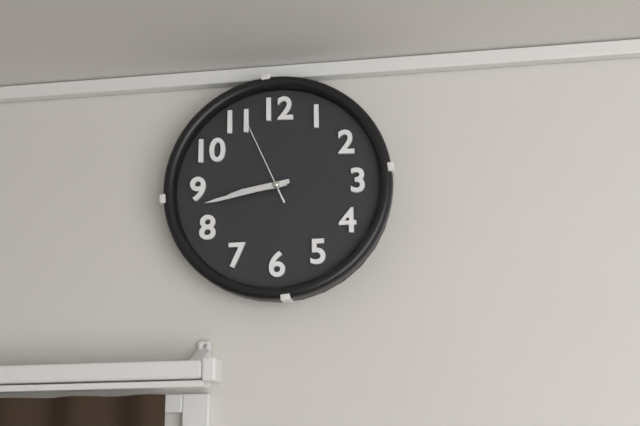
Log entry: **8:43:56**
